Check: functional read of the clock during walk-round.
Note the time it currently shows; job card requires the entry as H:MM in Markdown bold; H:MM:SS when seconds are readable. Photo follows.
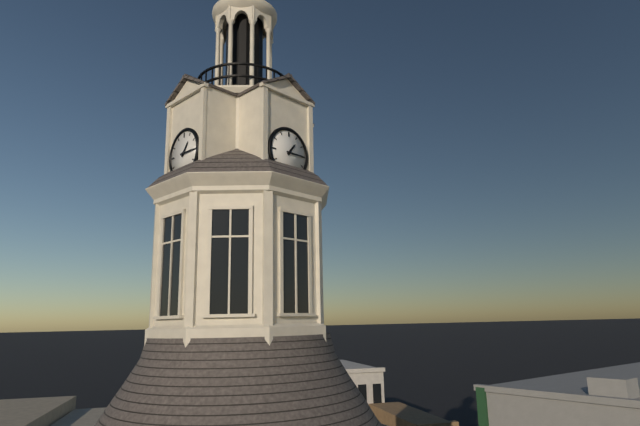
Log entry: **1:15**
